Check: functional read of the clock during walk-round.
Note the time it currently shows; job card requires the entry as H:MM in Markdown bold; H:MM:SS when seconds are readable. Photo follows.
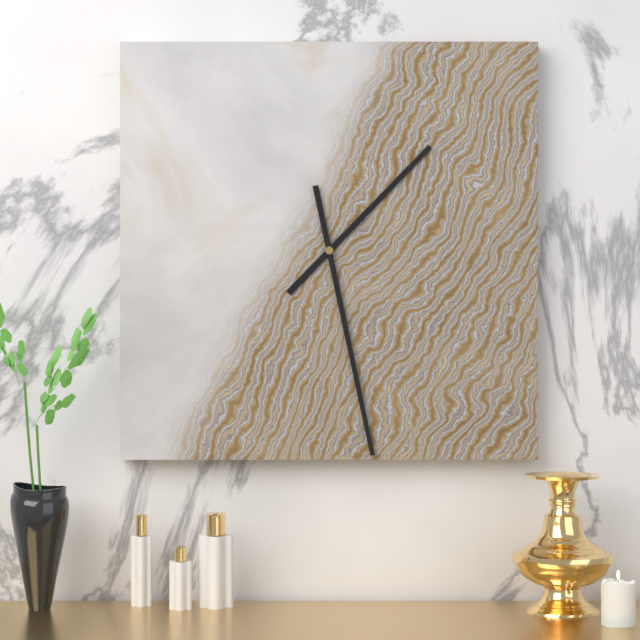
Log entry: **1:28**
